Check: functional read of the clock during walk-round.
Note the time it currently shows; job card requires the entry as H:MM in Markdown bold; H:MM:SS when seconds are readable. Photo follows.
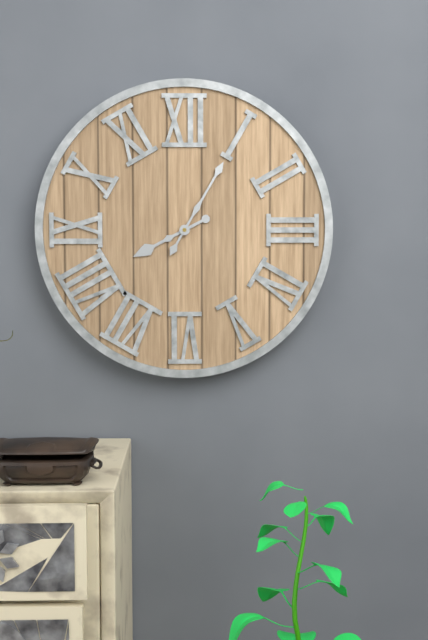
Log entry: **8:05**
